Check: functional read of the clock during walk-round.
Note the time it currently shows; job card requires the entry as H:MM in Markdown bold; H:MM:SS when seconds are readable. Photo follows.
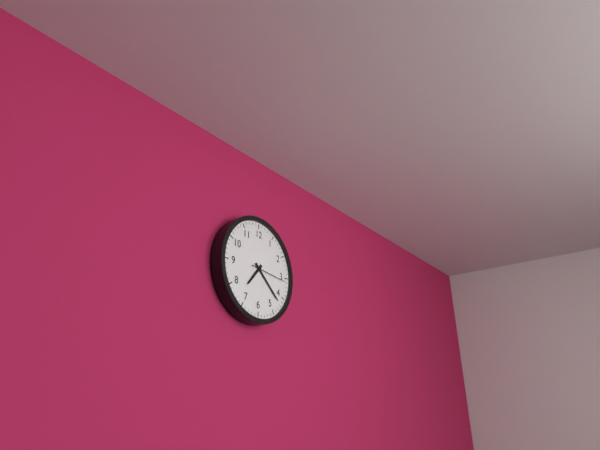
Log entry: **7:22**
